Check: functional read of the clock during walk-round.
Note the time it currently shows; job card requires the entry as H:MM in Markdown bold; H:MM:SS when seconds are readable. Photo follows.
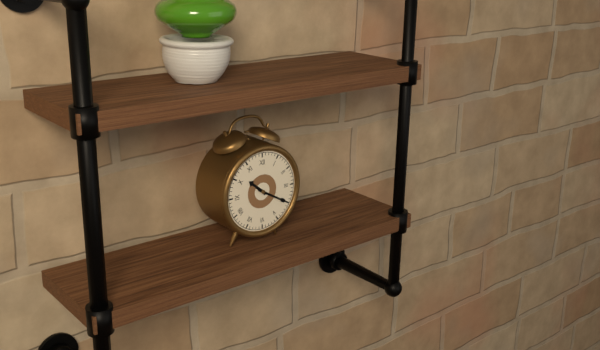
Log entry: **10:20**
